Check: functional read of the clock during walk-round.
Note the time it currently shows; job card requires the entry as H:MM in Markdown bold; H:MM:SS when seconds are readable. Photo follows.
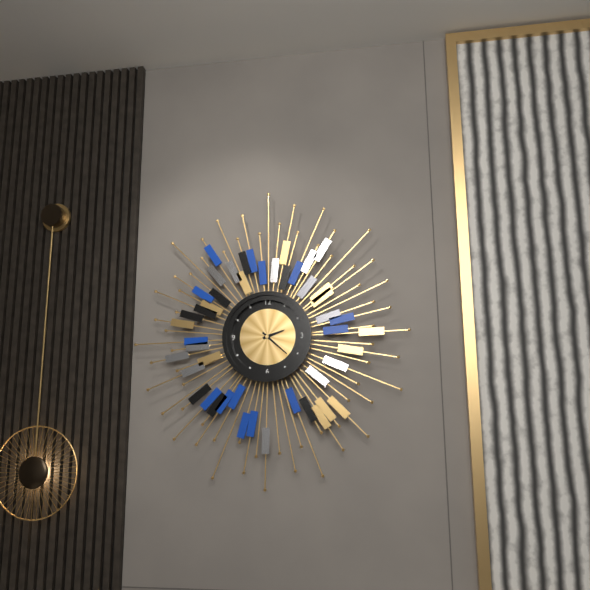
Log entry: **2:22**
